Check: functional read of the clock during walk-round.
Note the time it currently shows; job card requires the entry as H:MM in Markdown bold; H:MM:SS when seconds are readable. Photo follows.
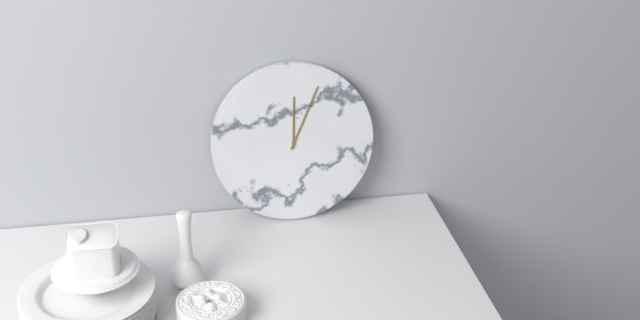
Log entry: **12:04**
